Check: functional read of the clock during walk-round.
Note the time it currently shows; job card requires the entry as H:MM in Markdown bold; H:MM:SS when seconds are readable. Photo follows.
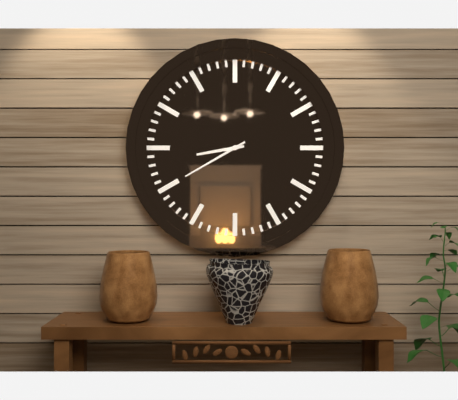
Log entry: **8:40**
